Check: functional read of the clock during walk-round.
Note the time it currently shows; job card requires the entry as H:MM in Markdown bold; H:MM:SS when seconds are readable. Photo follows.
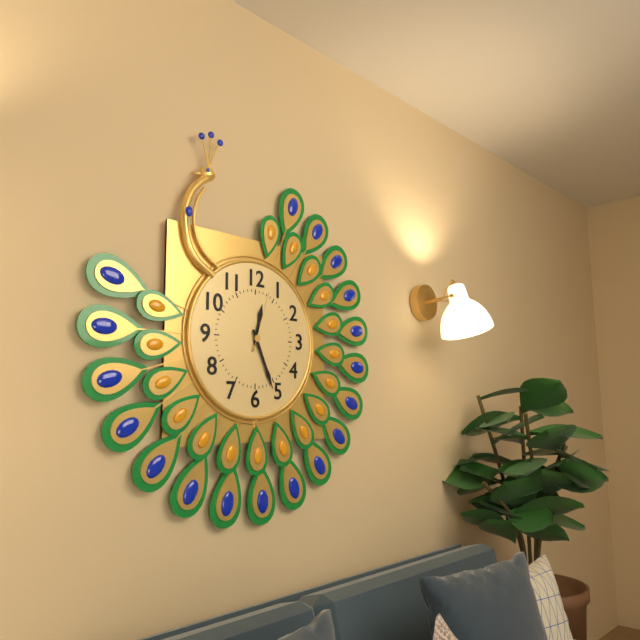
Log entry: **12:26:03**
